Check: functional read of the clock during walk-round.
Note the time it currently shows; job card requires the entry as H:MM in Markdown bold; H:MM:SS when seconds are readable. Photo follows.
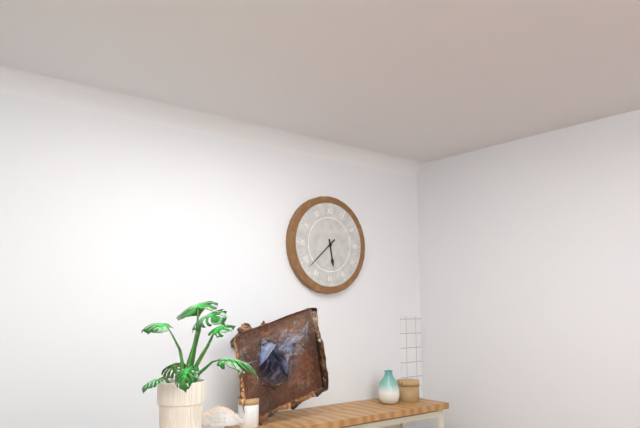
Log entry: **5:38**
